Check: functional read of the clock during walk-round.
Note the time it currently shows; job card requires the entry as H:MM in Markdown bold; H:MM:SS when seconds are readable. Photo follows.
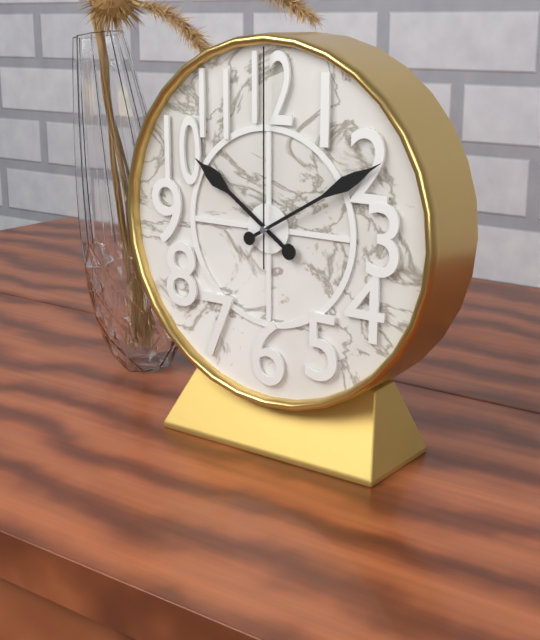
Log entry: **10:10:00**
